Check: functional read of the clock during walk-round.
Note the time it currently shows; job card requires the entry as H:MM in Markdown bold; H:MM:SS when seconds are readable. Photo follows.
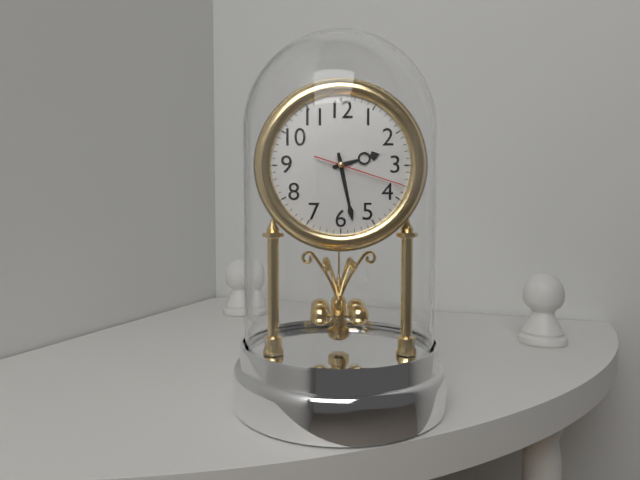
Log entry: **2:28:18**
